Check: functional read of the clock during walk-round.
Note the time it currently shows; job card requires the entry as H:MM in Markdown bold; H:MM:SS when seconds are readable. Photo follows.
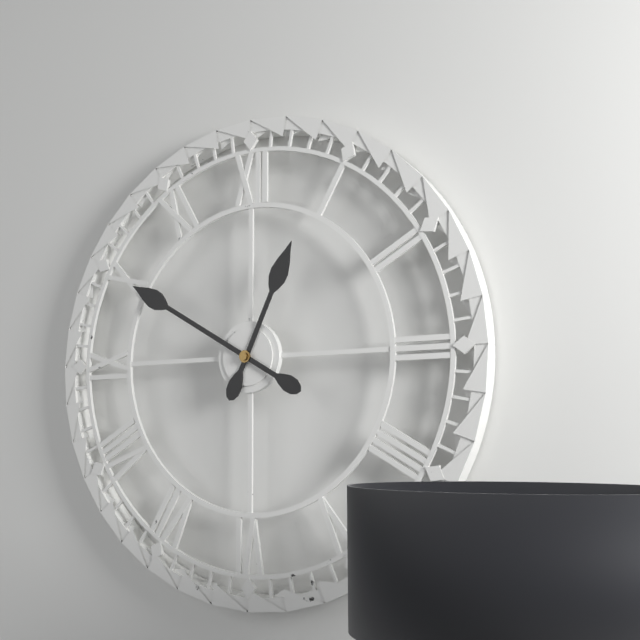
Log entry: **12:50**
